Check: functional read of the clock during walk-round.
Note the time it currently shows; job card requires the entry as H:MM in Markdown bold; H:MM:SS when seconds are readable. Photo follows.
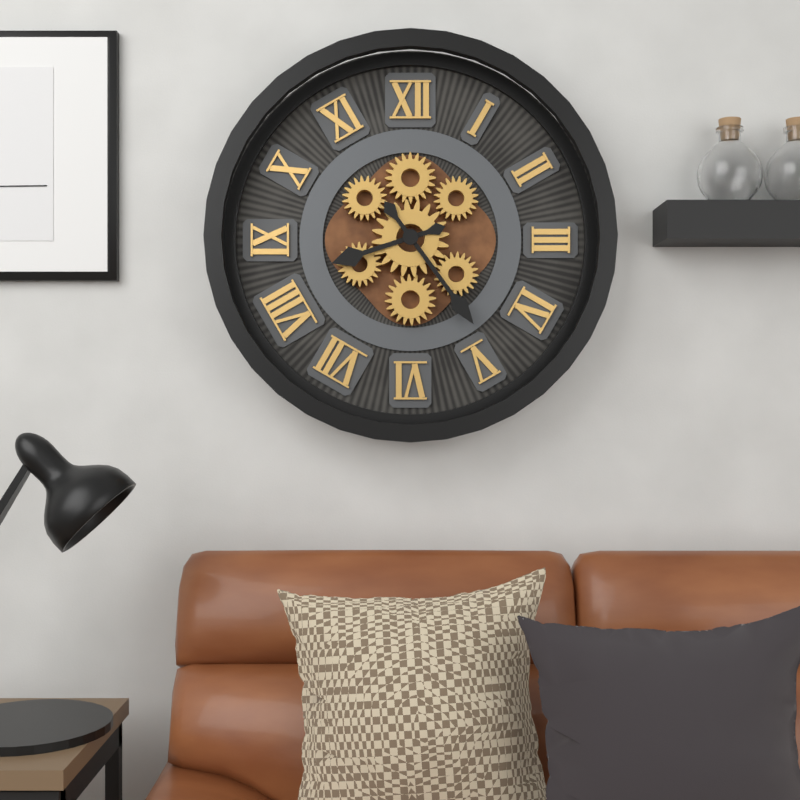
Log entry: **8:24**
